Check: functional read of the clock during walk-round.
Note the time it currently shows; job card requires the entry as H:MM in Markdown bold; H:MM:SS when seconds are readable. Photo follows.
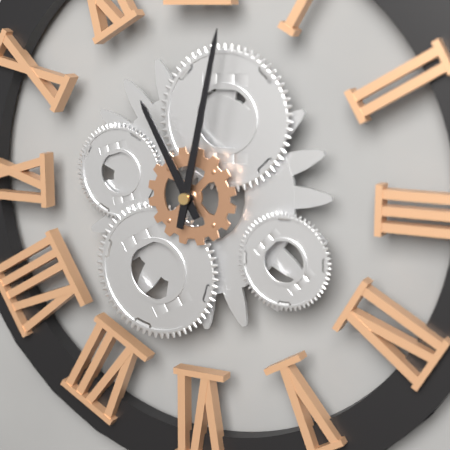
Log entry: **11:02**
